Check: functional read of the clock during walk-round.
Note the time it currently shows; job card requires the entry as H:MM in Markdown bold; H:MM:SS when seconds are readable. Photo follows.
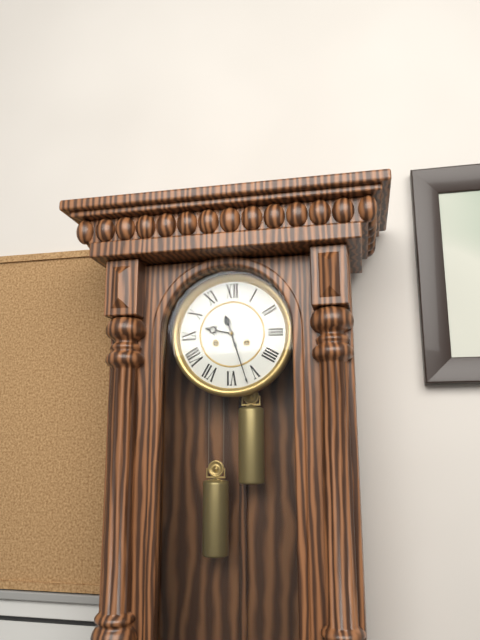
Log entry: **9:27**
